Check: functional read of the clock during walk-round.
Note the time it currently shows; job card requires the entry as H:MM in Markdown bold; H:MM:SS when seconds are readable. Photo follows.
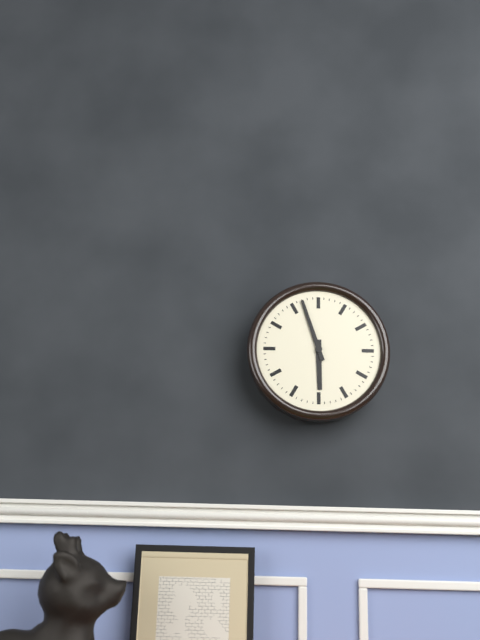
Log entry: **5:57**
